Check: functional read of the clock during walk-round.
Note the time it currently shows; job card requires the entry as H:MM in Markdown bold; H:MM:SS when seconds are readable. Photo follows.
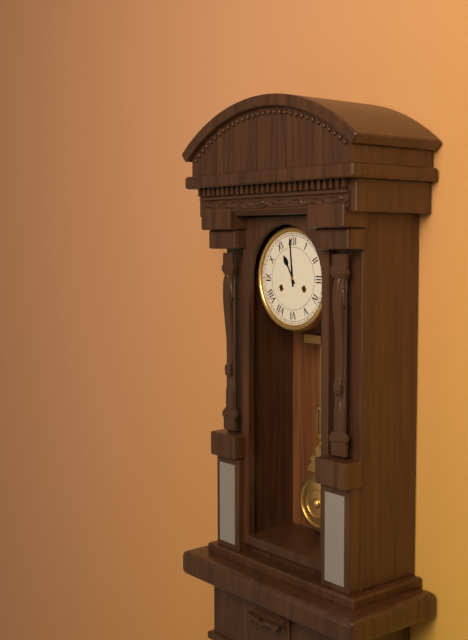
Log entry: **10:59**
